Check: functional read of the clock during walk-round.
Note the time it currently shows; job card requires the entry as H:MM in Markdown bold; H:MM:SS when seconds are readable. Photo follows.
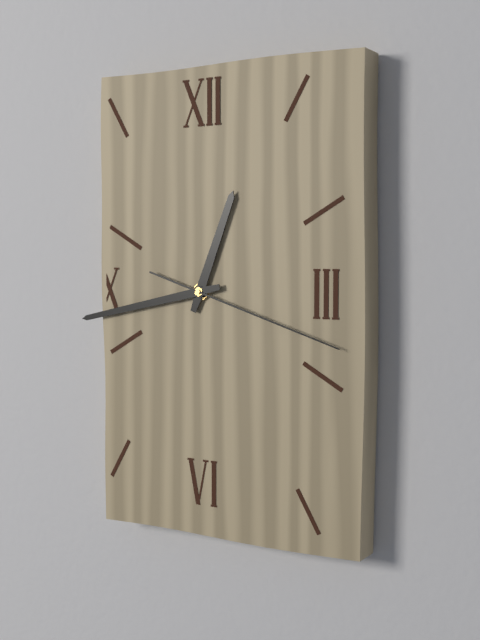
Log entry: **12:43:18**
